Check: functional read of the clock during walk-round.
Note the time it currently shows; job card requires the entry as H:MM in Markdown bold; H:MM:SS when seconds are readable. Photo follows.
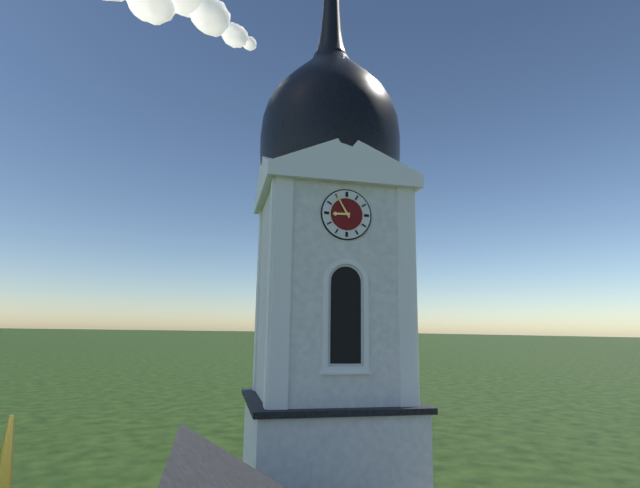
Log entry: **8:55**
